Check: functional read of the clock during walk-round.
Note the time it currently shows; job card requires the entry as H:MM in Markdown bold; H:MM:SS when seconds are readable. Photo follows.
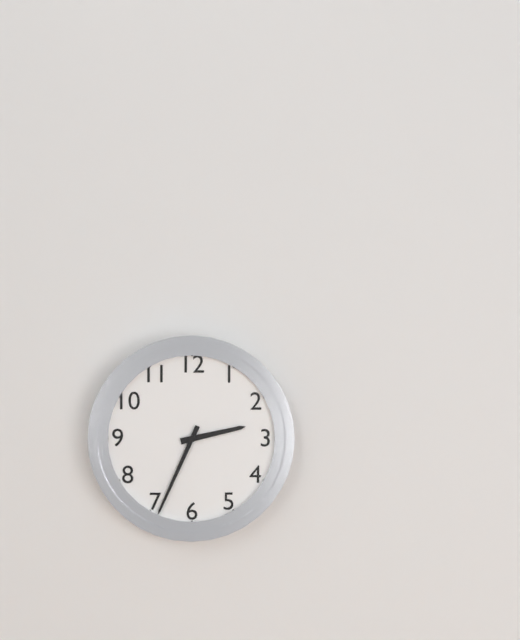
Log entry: **2:34**
